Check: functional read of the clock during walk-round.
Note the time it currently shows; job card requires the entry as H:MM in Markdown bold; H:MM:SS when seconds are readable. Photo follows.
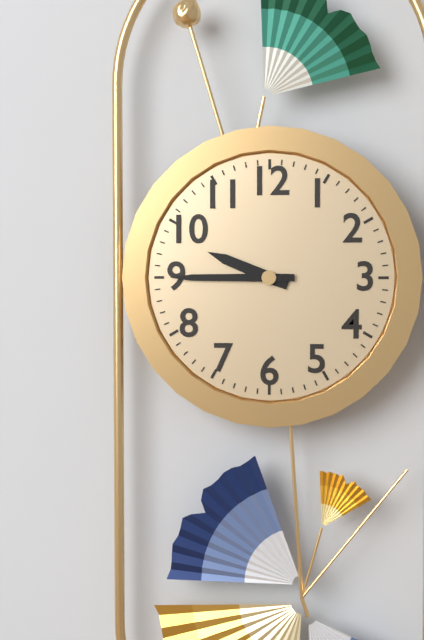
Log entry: **9:45**
